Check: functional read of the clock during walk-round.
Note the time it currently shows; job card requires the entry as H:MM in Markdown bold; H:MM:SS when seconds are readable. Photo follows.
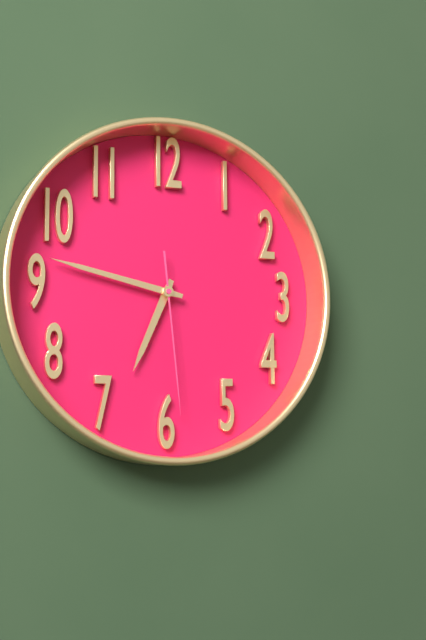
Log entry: **6:47:29**
